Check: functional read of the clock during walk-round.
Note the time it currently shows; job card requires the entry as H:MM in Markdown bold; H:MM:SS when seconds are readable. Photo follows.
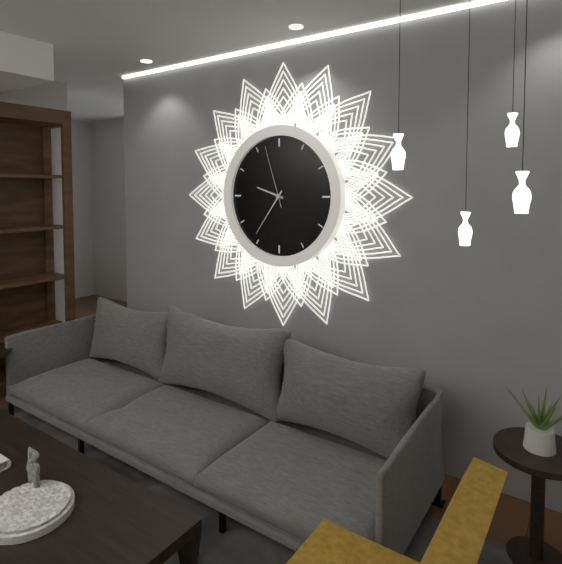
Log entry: **9:36:57**
